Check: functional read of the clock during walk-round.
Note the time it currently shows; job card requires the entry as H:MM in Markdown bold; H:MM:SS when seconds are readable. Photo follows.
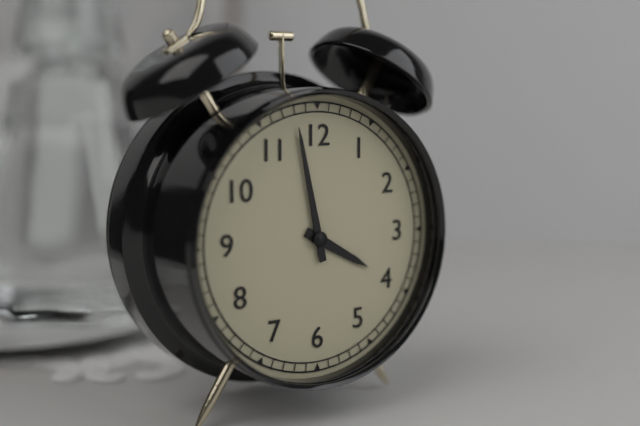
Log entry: **3:58**
